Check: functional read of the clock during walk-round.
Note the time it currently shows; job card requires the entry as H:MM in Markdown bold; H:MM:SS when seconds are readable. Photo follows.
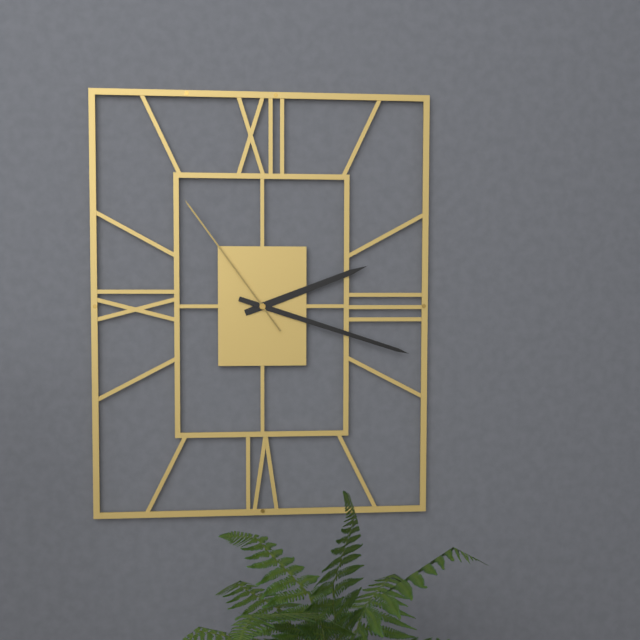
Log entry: **2:18:54**
